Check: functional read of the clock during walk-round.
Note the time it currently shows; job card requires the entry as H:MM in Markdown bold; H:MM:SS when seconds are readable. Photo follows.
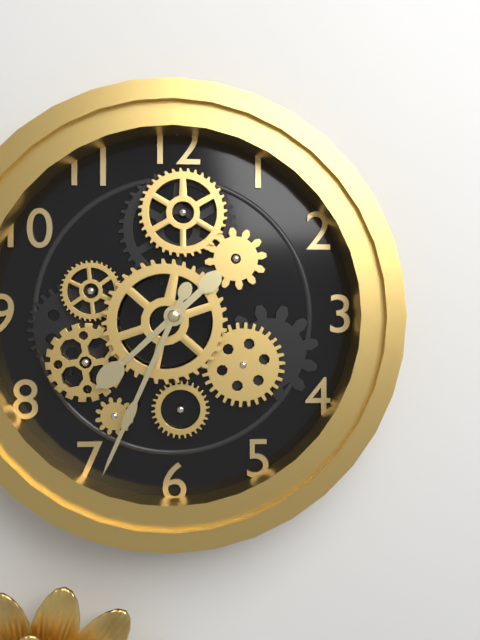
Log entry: **7:34**
